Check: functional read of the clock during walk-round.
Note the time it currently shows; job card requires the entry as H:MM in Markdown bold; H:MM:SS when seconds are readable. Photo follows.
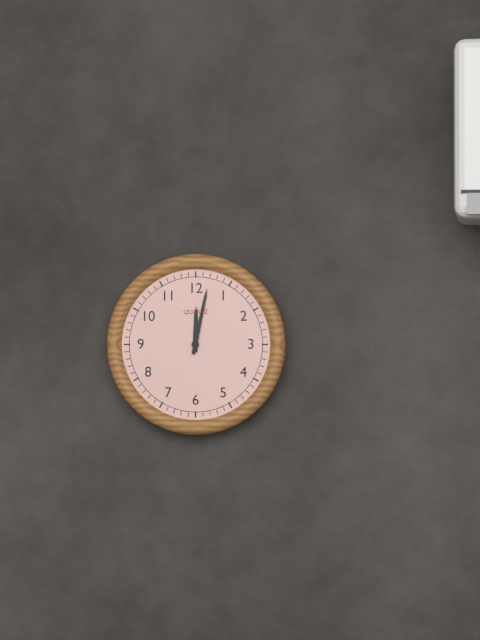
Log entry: **12:02**
